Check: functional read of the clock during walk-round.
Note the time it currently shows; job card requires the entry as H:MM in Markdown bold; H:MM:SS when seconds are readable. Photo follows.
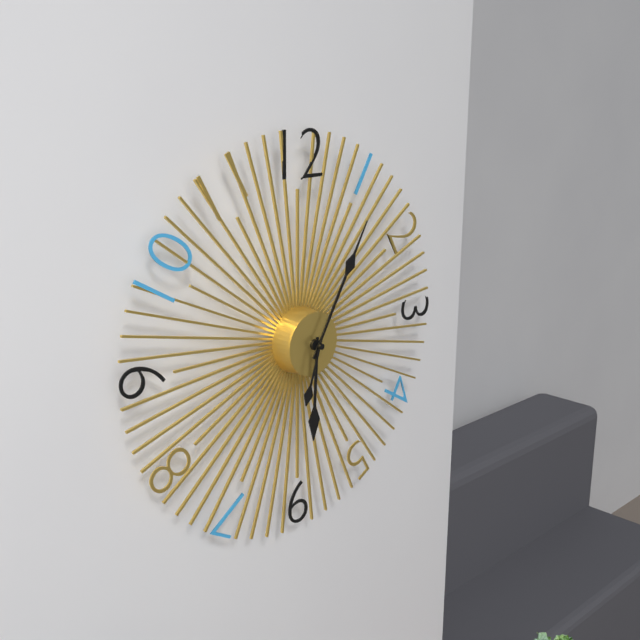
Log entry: **6:05:33**
